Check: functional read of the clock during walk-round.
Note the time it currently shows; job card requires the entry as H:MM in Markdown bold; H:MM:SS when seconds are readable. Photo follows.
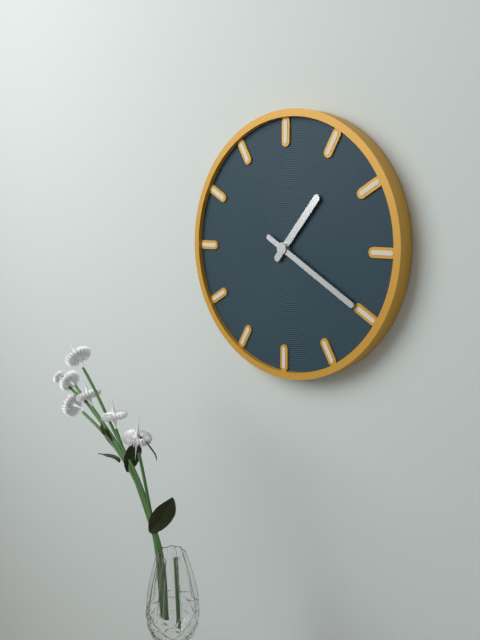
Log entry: **1:20**
